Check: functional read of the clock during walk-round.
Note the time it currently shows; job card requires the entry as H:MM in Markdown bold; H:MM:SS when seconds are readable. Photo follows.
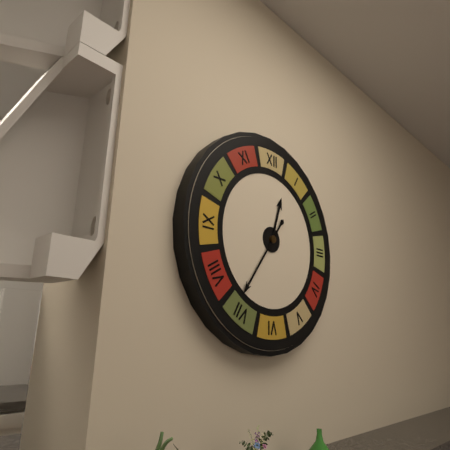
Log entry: **12:36**
